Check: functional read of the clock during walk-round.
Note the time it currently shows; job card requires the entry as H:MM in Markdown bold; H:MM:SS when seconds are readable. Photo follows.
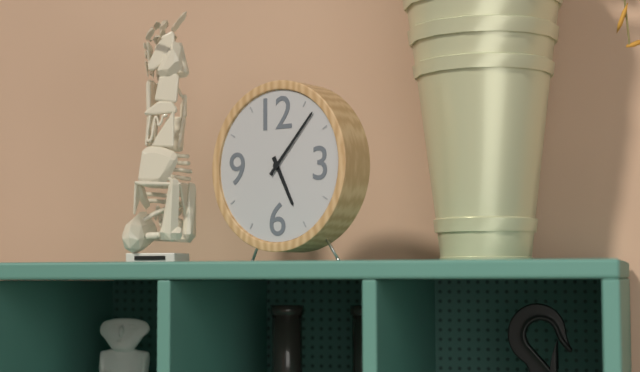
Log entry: **5:07**
